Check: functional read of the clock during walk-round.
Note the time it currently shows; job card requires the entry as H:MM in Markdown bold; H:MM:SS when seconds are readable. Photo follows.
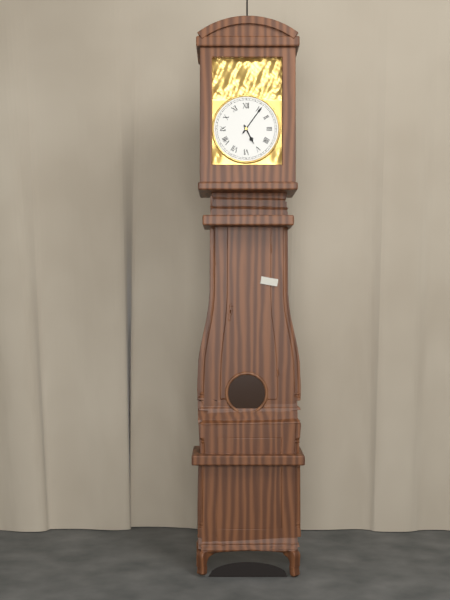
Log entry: **5:06**
